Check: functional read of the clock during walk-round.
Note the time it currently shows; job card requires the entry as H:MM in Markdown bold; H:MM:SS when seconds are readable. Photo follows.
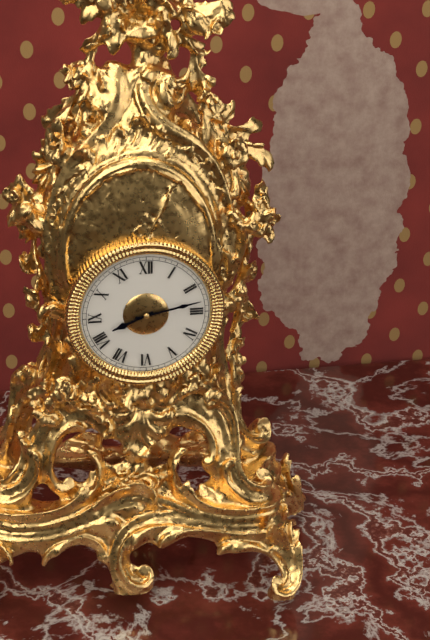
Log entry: **8:13**
